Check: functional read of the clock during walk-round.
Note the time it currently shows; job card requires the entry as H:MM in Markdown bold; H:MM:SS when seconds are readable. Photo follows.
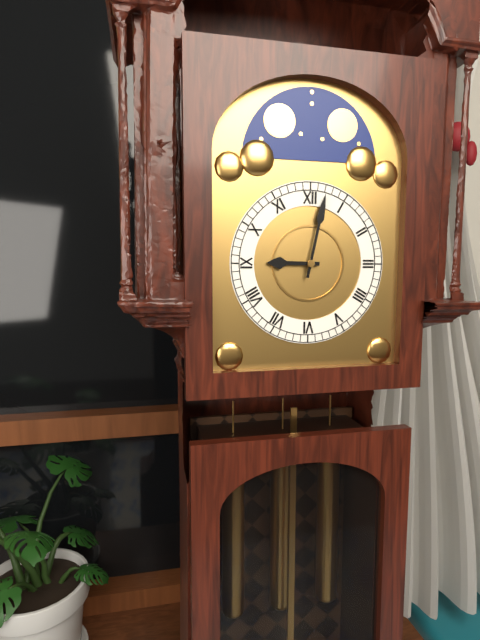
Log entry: **9:02**
